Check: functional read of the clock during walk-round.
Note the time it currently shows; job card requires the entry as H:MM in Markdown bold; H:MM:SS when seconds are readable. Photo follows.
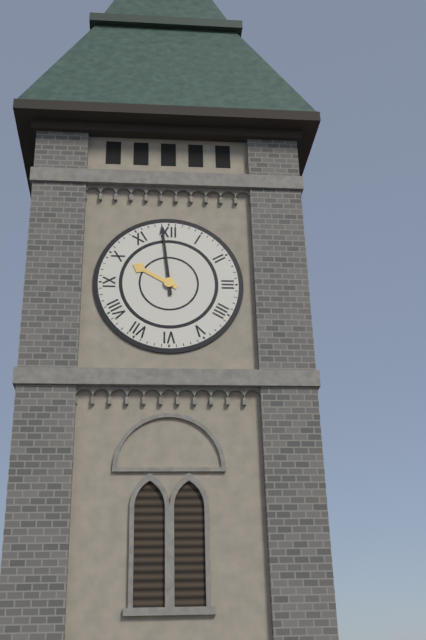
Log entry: **9:59**
